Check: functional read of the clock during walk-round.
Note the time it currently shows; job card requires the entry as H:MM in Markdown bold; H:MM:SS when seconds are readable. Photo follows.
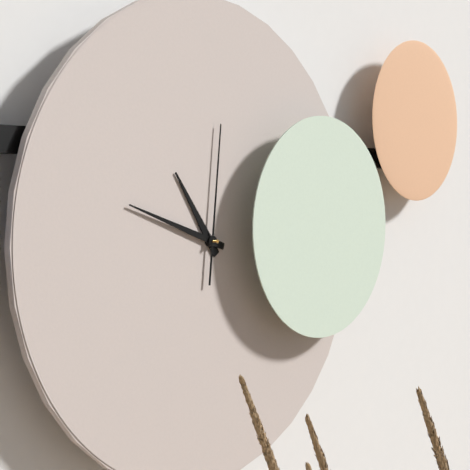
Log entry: **10:48:01**
